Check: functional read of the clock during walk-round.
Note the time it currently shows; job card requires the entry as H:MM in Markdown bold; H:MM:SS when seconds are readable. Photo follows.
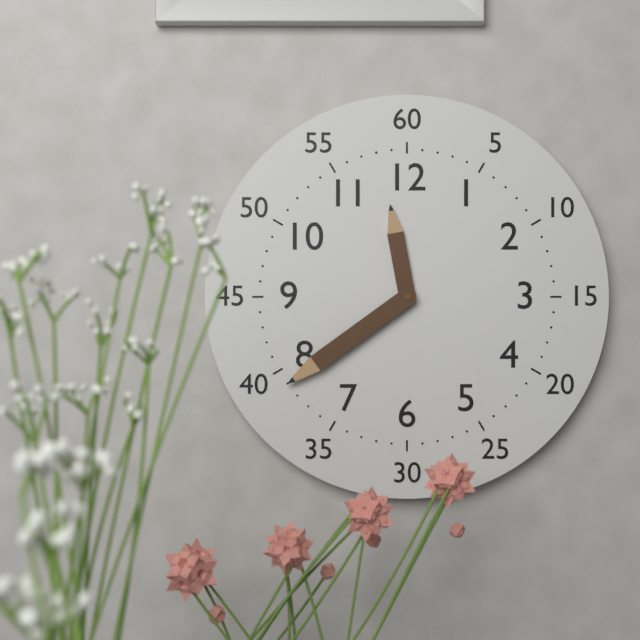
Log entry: **11:39**
